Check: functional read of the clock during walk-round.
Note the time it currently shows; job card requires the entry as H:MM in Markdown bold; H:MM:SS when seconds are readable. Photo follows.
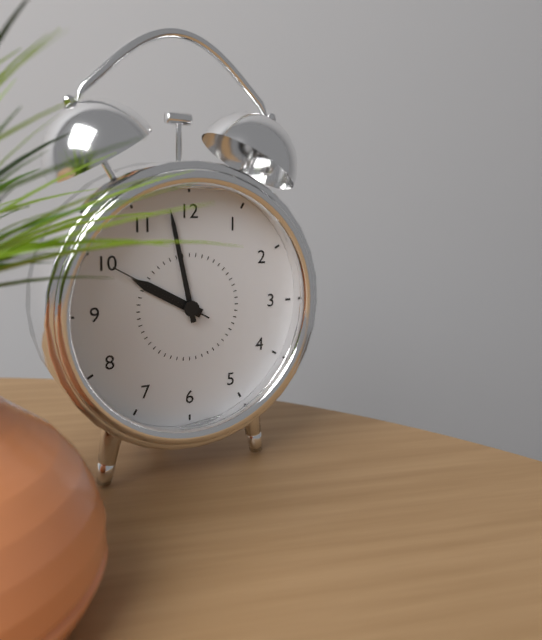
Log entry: **9:58:50**
